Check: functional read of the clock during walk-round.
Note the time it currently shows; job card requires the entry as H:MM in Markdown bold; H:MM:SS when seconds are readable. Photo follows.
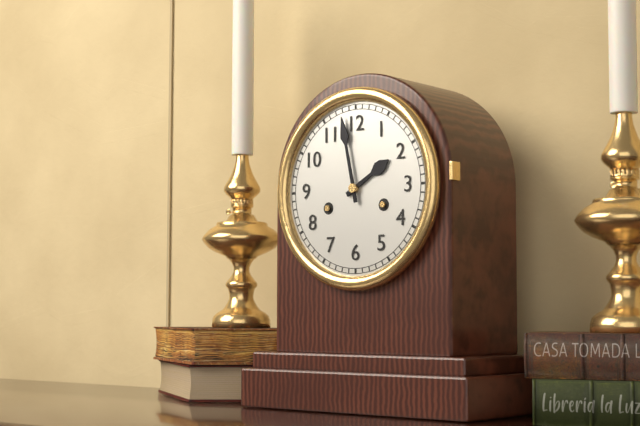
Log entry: **1:58**
